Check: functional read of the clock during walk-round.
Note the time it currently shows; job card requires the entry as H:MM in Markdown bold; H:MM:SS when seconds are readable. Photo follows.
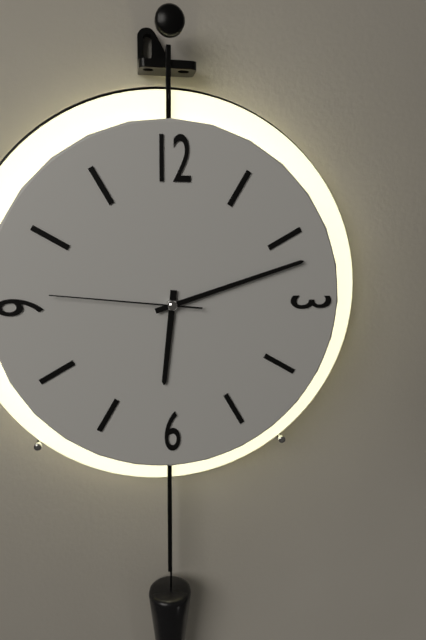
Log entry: **6:12:46**
